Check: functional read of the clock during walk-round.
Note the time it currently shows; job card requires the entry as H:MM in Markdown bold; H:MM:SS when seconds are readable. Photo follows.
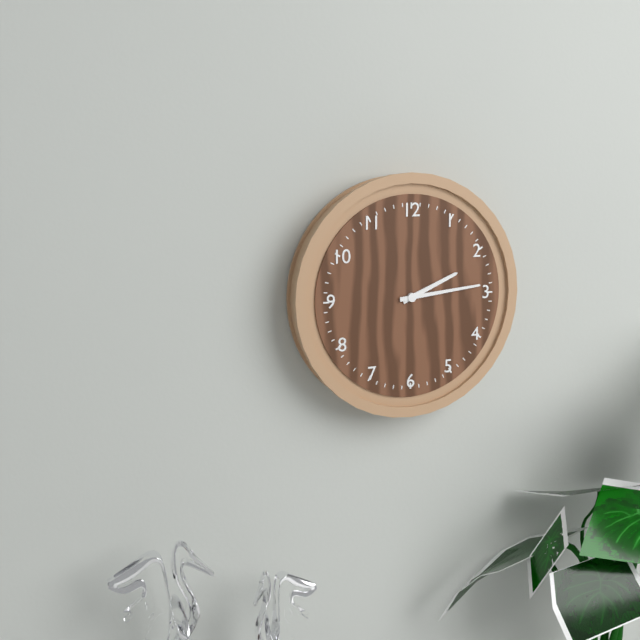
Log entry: **2:14**
